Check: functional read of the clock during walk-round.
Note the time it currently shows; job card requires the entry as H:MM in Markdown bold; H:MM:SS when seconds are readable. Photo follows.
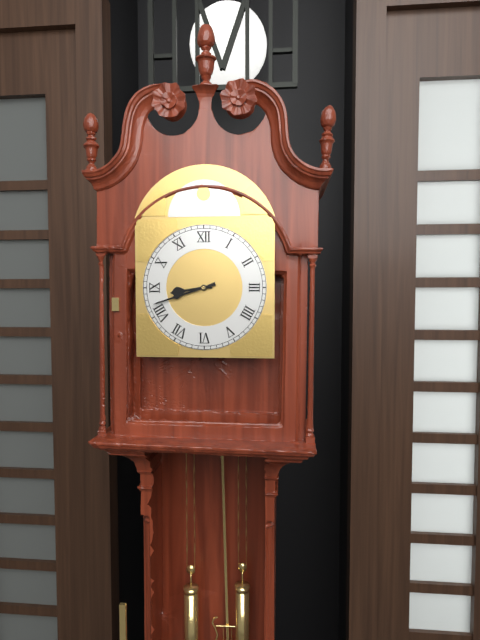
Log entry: **8:42**
